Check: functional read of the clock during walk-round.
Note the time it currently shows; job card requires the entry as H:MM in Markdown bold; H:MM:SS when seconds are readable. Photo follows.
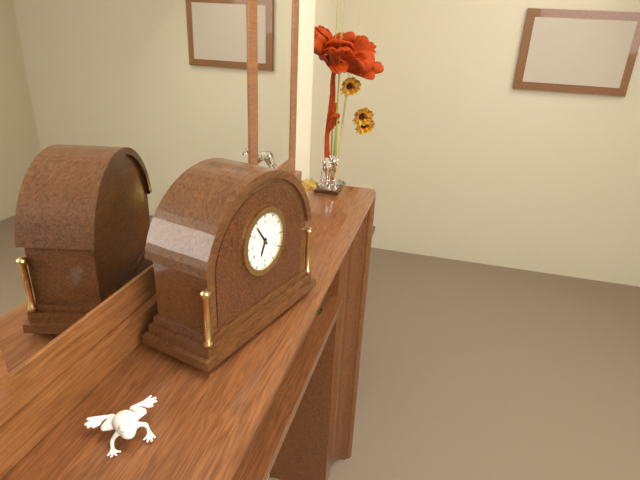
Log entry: **6:54**
